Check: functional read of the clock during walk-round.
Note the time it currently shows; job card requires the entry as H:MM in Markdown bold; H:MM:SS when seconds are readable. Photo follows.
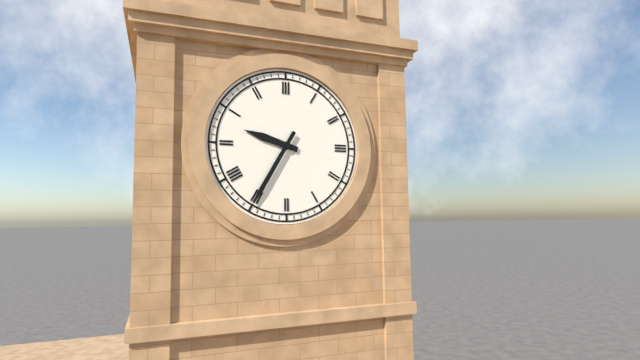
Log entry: **9:35**
